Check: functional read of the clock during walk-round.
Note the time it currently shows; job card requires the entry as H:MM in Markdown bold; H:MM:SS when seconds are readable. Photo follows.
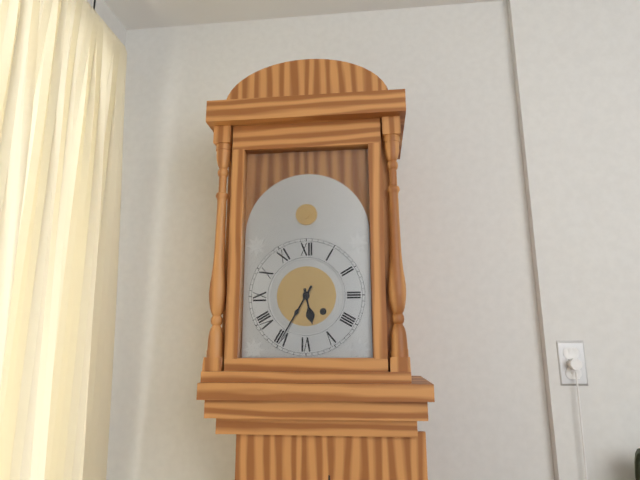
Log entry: **5:35**
